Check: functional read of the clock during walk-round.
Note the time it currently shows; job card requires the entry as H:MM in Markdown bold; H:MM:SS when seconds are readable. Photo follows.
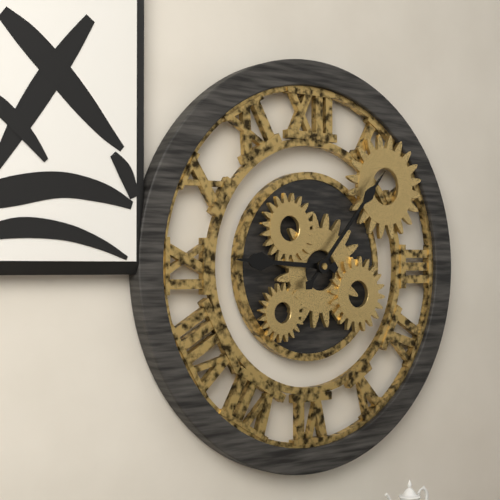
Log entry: **9:07**
